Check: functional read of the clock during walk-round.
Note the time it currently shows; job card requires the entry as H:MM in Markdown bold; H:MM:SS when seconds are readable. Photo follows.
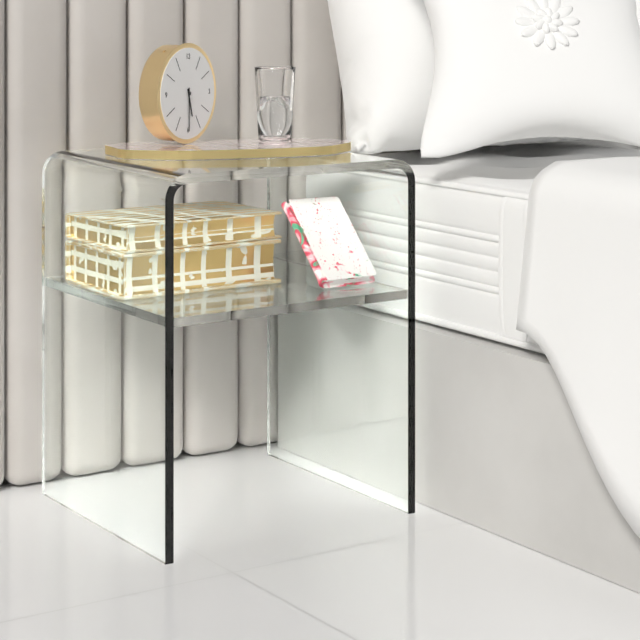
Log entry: **5:30**
